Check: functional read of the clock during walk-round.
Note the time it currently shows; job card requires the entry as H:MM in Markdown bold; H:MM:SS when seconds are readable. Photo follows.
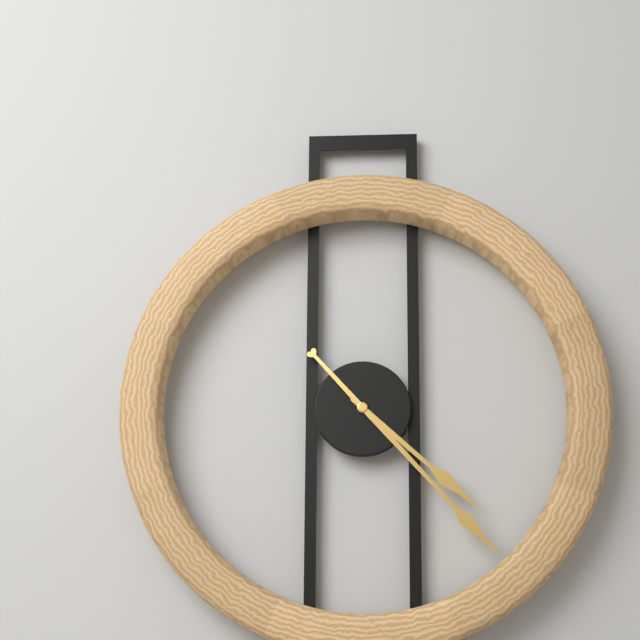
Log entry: **4:23**
